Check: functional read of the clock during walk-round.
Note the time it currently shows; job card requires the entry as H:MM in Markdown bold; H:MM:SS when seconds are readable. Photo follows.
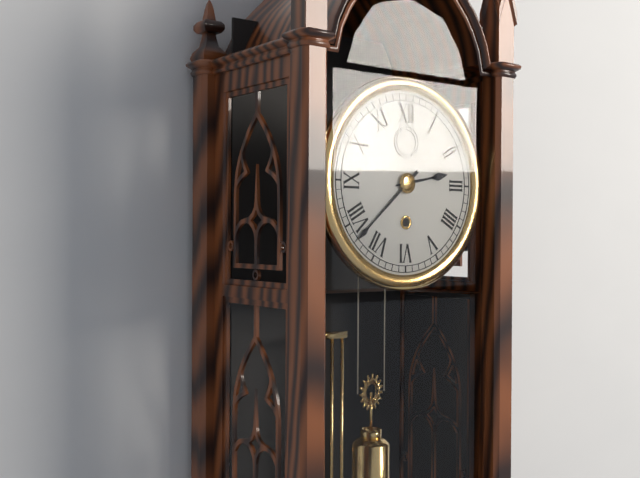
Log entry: **2:38**
